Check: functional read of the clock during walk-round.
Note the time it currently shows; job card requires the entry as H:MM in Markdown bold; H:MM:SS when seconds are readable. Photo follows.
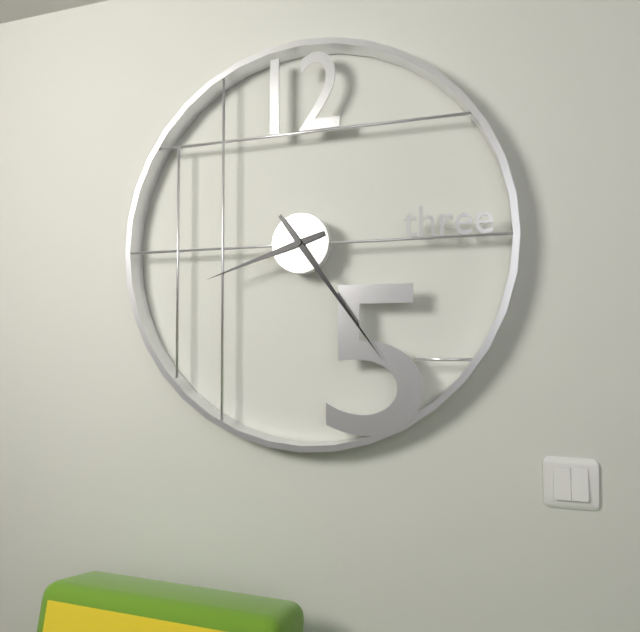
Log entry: **8:24**
